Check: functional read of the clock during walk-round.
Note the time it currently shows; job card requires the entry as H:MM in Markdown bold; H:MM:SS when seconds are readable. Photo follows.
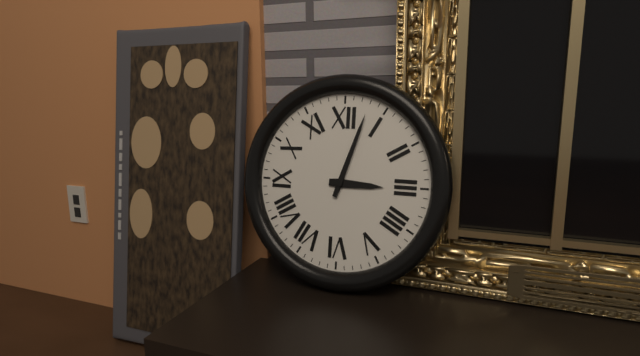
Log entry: **3:03**
